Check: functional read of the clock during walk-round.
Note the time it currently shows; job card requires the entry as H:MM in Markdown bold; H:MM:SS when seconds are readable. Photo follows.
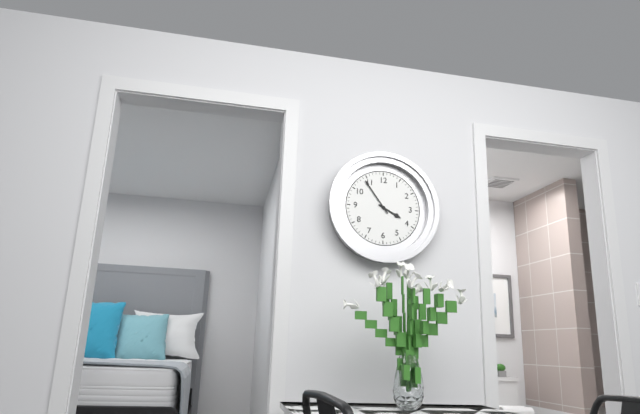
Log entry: **3:54**
